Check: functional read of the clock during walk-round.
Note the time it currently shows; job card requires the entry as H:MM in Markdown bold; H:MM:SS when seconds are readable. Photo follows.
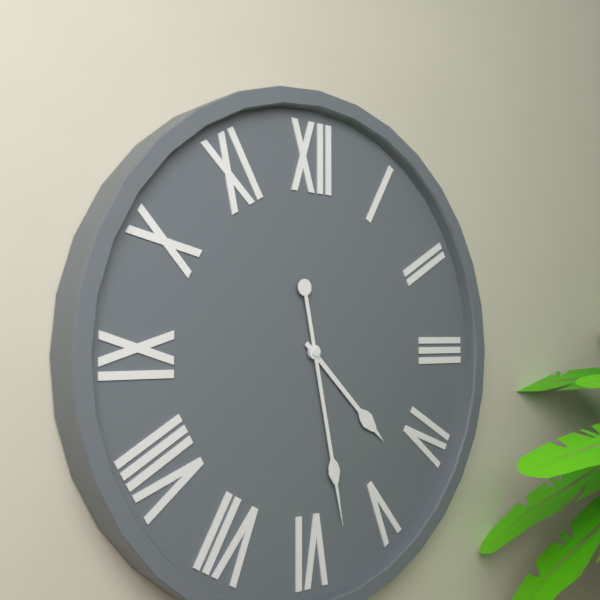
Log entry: **4:28**
